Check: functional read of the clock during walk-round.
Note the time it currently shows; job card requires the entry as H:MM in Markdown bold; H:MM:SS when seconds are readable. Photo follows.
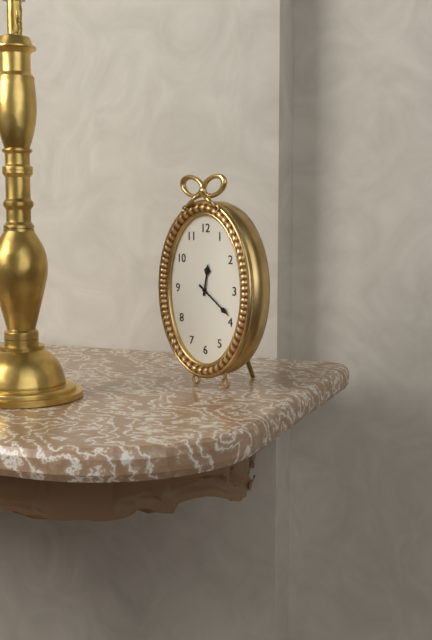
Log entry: **12:21**
